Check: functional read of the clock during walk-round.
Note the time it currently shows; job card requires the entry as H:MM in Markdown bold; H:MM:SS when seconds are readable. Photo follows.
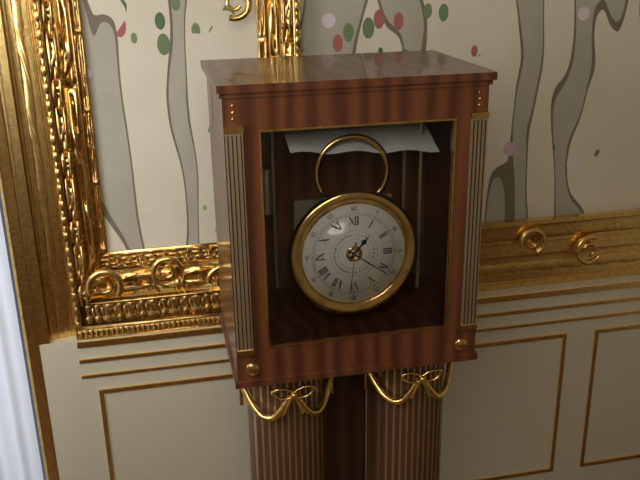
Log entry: **1:21**
